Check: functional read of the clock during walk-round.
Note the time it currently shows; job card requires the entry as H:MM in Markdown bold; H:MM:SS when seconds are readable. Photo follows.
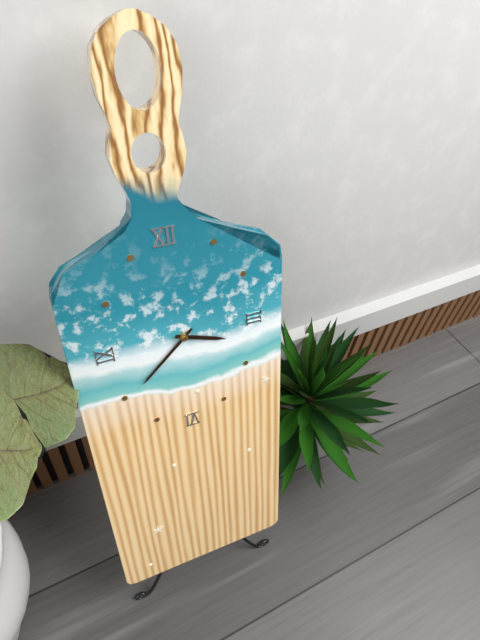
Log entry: **3:38**
